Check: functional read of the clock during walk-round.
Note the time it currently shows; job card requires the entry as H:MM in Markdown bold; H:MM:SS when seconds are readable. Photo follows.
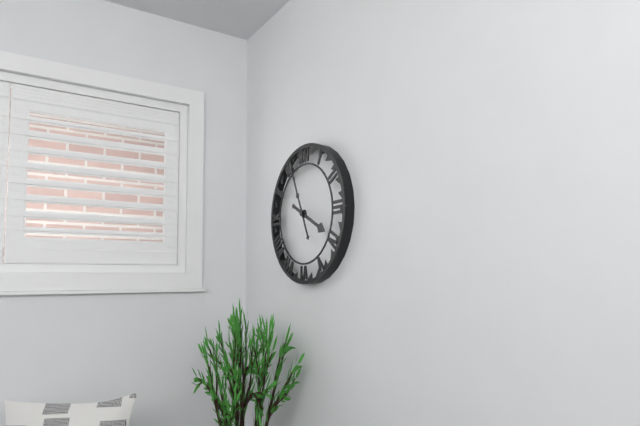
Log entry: **3:56**
